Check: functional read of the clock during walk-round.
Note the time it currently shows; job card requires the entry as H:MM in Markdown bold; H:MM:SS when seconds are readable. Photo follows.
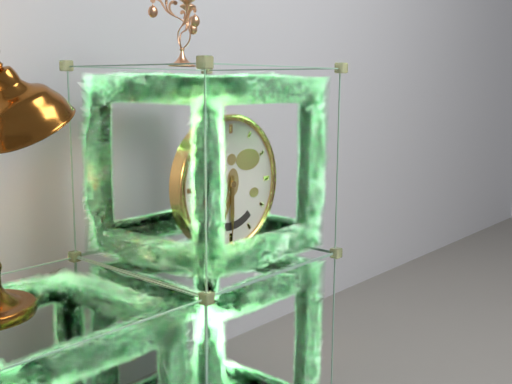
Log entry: **6:30**
